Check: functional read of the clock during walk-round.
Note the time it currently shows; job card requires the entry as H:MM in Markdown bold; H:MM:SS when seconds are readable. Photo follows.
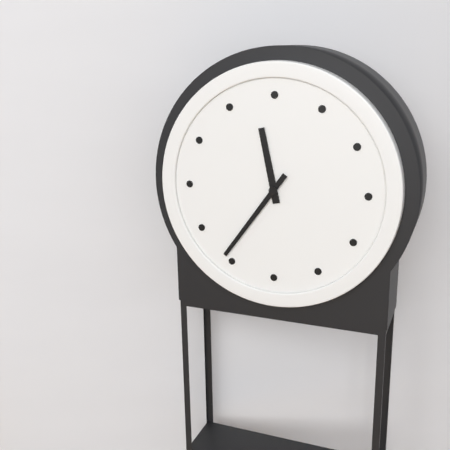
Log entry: **11:36**
